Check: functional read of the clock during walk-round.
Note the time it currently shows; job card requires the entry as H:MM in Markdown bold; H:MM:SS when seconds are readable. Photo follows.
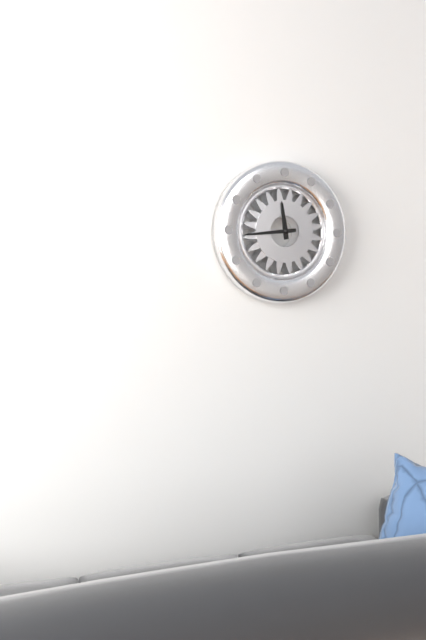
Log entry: **11:44**
